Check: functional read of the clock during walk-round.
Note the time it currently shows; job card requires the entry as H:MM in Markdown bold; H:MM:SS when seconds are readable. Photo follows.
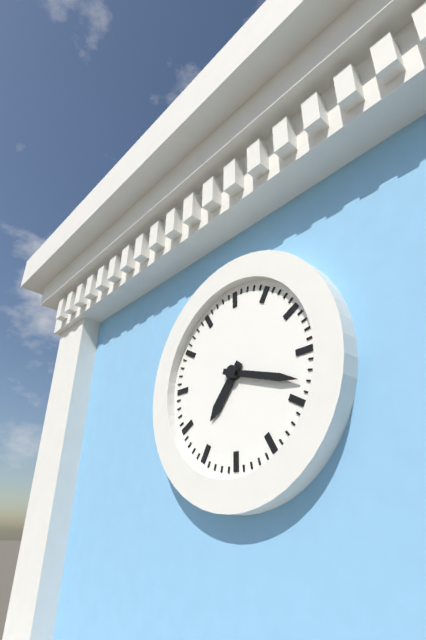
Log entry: **7:18**
